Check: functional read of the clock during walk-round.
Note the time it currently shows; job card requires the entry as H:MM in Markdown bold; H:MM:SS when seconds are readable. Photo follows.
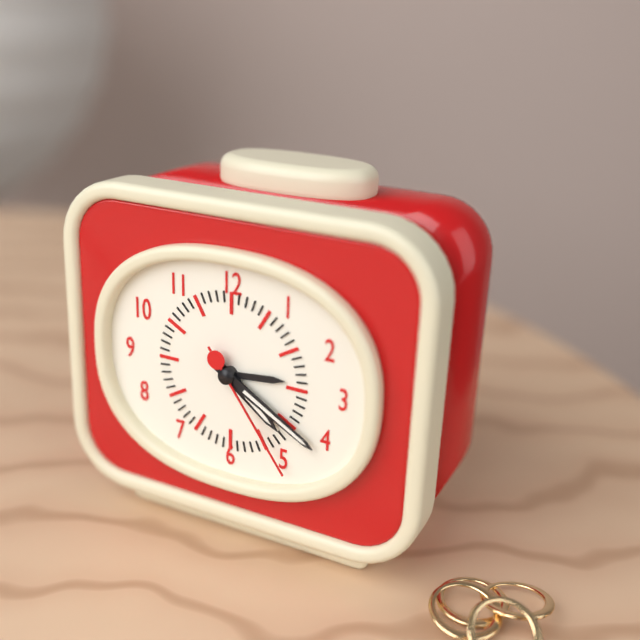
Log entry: **4:20:24**
